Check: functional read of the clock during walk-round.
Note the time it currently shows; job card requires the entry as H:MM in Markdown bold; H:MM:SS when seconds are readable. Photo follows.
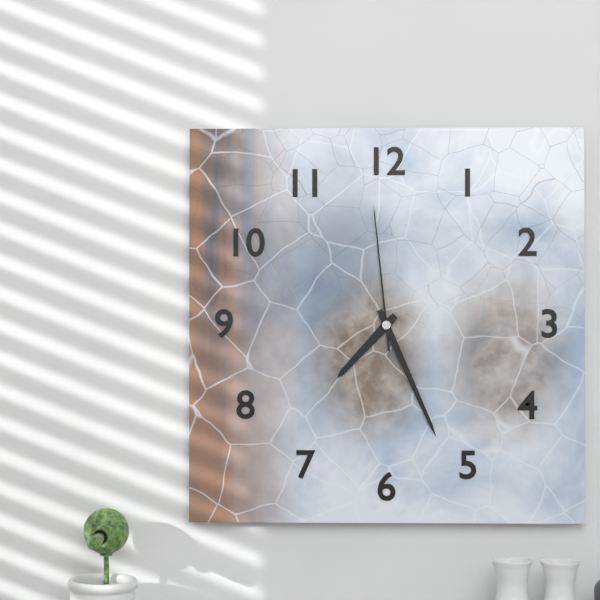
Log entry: **7:26:59**
